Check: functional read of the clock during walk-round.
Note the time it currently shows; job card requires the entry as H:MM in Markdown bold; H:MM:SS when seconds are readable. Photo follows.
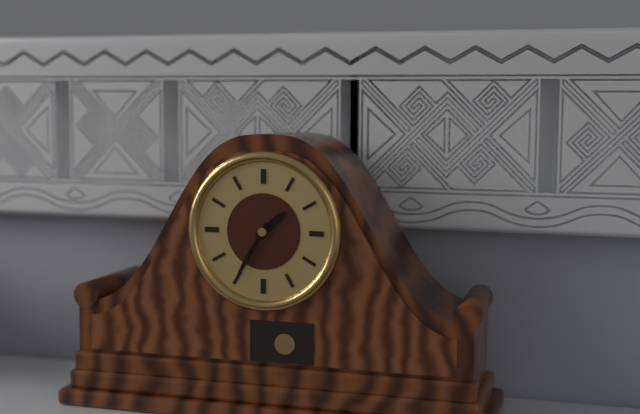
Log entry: **1:35**
